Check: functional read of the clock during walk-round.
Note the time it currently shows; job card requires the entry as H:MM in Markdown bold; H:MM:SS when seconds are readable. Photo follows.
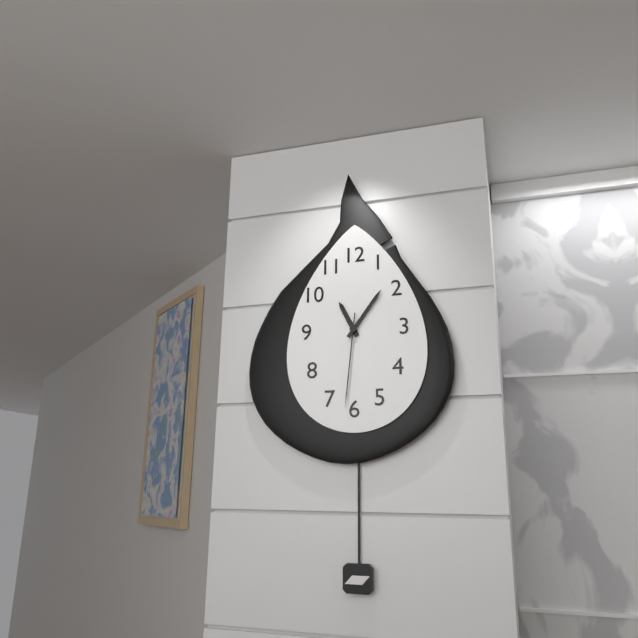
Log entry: **11:06:31**
